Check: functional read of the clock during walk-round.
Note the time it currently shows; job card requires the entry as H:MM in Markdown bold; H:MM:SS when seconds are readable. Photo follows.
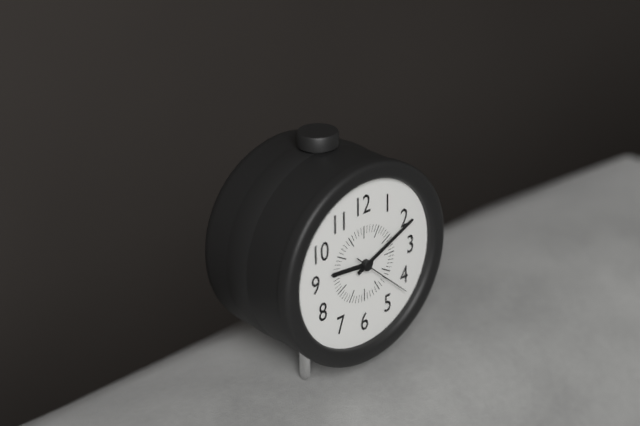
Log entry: **9:11:22**
